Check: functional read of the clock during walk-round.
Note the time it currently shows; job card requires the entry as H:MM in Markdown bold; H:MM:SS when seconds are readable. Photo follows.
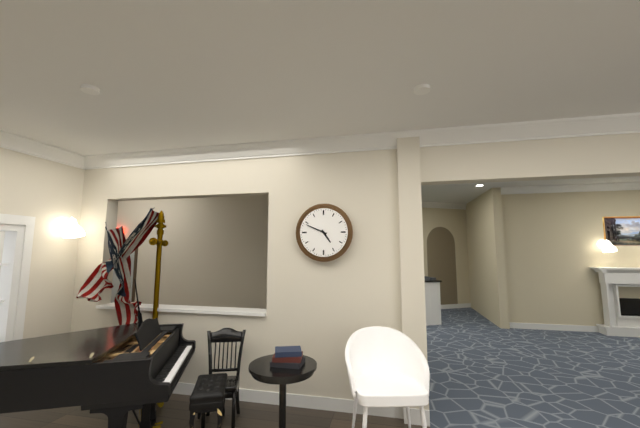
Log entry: **4:49**
